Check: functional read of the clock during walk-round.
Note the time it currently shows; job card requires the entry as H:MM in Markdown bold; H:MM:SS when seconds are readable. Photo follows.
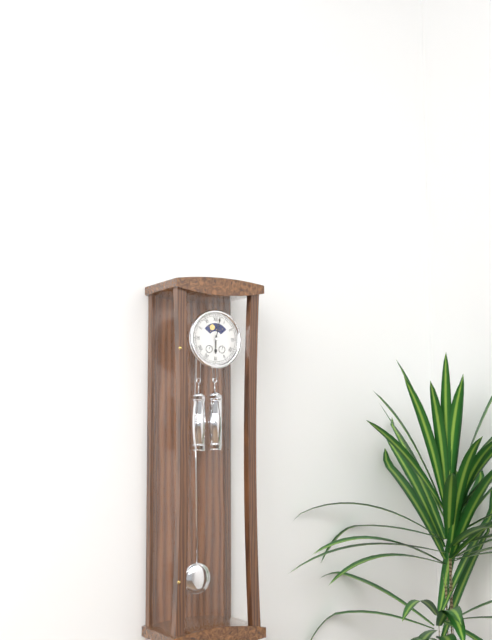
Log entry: **6:02**
